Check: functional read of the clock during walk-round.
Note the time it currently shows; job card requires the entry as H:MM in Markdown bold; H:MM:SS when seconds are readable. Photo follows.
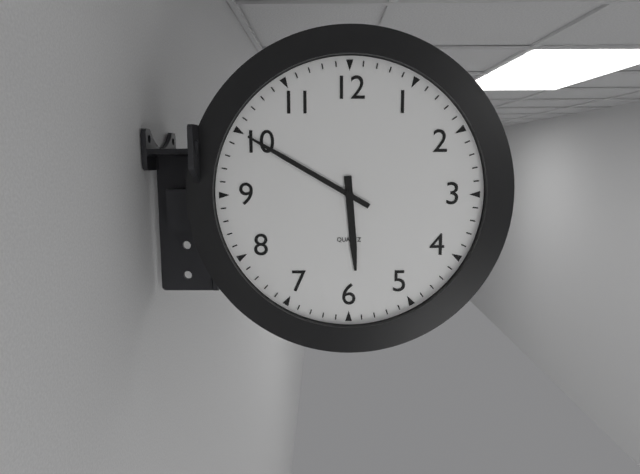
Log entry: **5:50**
